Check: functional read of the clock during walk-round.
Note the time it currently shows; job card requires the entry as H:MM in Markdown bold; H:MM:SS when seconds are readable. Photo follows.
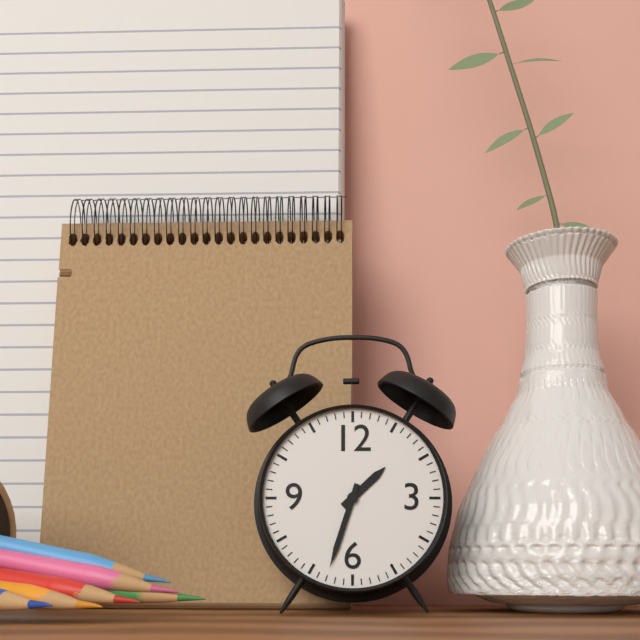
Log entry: **1:33**
